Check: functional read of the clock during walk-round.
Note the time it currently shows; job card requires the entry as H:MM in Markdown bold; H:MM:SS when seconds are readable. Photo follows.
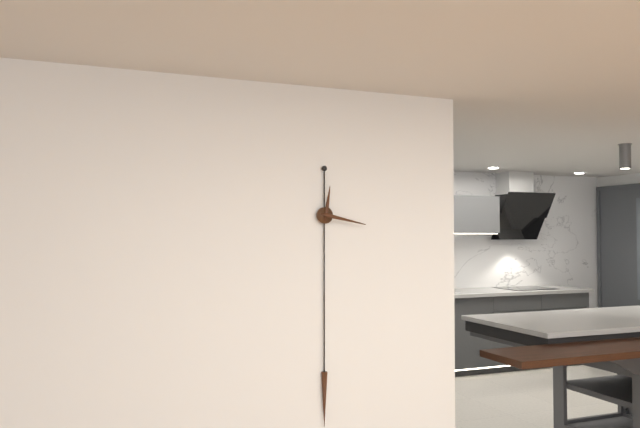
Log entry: **12:17**
